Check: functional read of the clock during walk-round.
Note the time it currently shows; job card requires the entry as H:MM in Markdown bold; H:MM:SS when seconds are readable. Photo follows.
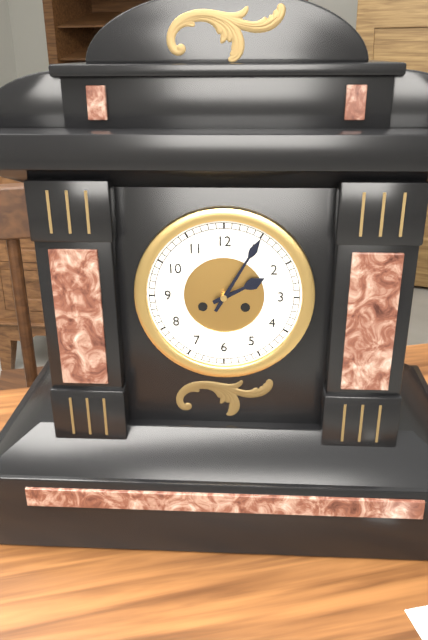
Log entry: **2:05**
